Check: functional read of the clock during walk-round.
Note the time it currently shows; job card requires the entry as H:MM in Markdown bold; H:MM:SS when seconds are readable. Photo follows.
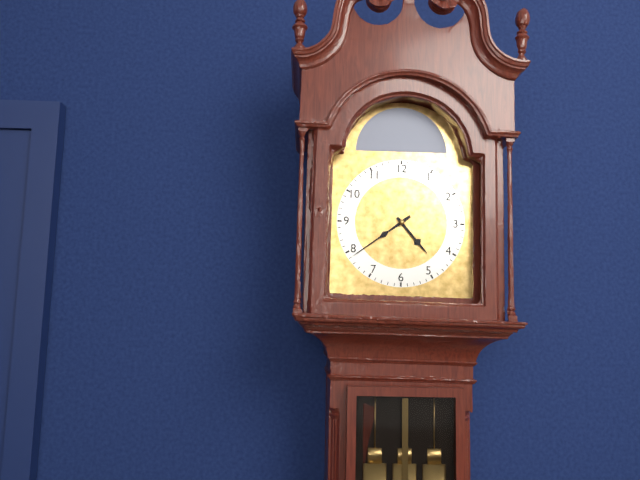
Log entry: **4:39**
